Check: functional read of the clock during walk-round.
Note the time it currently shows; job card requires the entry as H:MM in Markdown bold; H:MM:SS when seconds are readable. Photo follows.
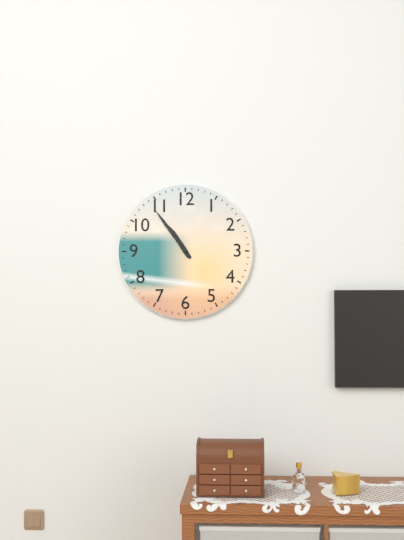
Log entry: **10:54**
